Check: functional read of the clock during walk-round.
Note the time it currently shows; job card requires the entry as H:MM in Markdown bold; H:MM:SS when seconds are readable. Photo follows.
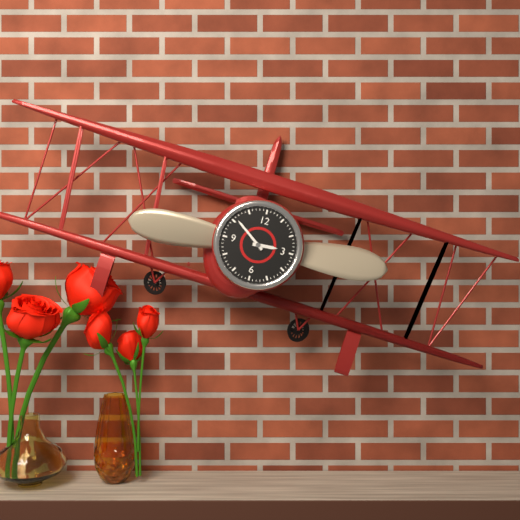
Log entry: **2:51**
